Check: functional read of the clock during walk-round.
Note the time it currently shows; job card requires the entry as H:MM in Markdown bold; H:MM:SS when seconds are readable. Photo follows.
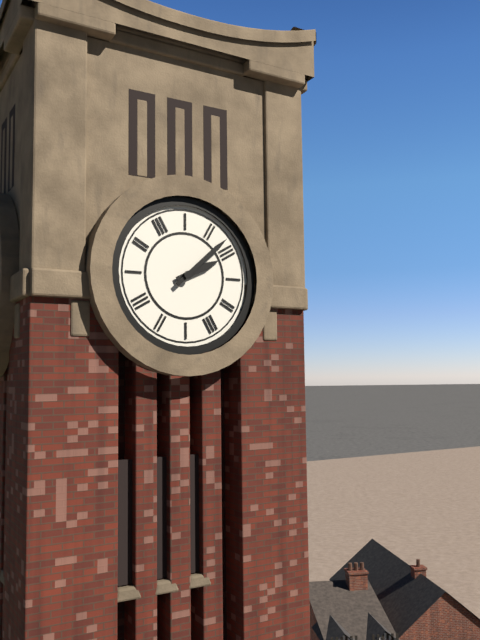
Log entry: **2:08**
